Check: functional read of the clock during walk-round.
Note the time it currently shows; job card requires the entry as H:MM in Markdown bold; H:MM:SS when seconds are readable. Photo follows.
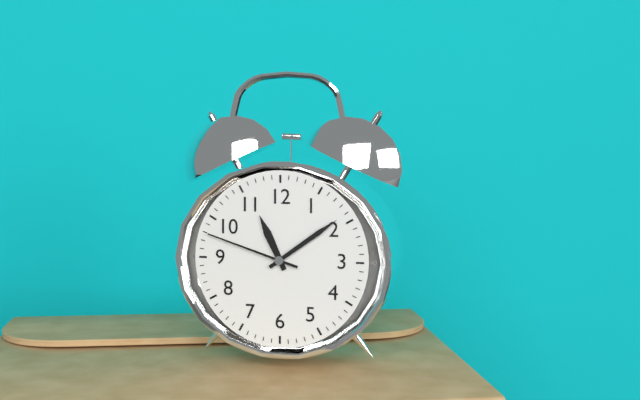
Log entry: **11:09:48**
